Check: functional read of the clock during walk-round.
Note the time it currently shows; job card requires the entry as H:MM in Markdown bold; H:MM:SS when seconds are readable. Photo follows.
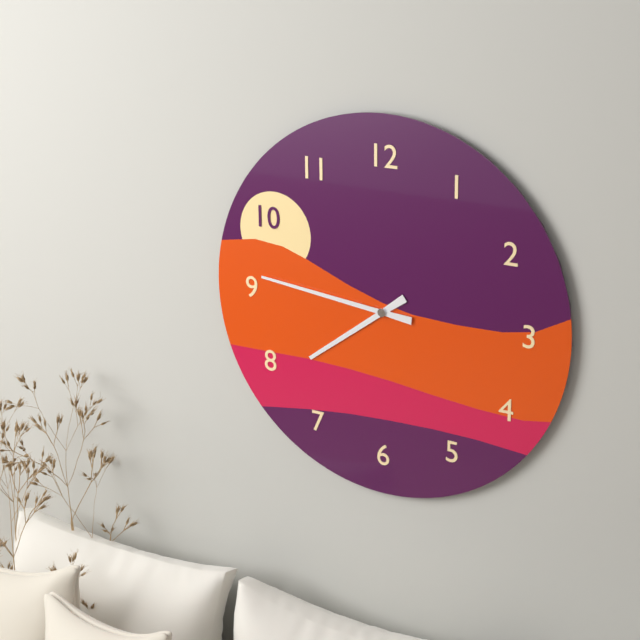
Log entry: **7:46**
